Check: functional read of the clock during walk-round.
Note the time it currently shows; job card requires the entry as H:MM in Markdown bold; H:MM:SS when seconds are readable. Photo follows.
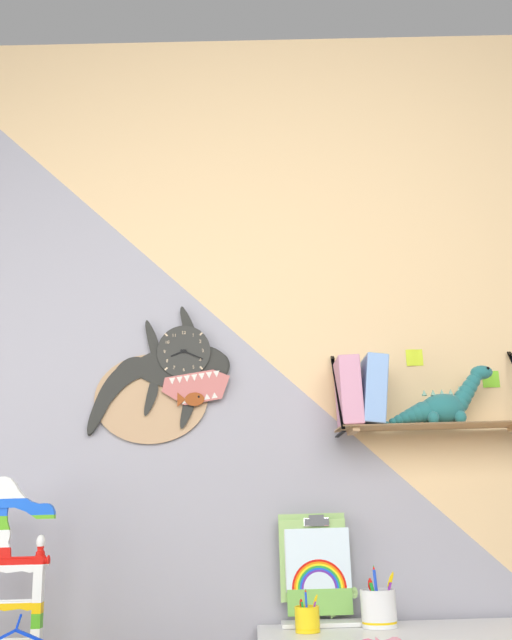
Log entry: **8:19**
